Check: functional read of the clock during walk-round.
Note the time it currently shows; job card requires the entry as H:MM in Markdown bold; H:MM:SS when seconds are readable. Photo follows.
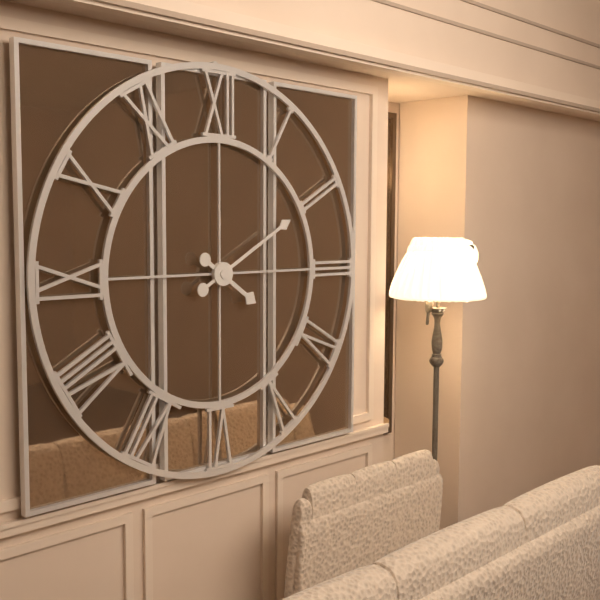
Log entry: **4:10**
